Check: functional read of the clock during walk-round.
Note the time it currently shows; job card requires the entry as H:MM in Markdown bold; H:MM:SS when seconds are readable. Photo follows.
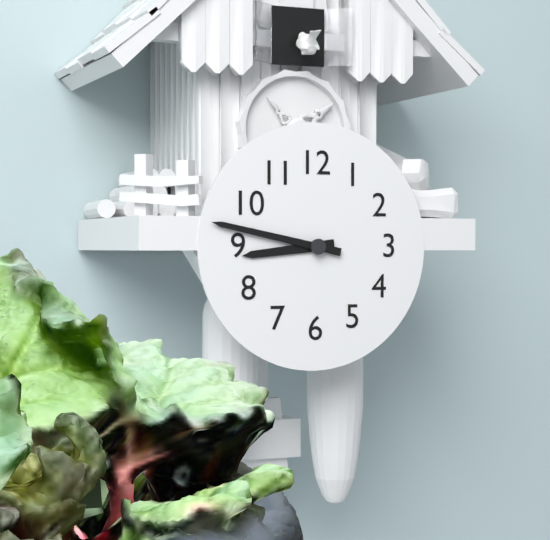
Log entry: **8:47**
